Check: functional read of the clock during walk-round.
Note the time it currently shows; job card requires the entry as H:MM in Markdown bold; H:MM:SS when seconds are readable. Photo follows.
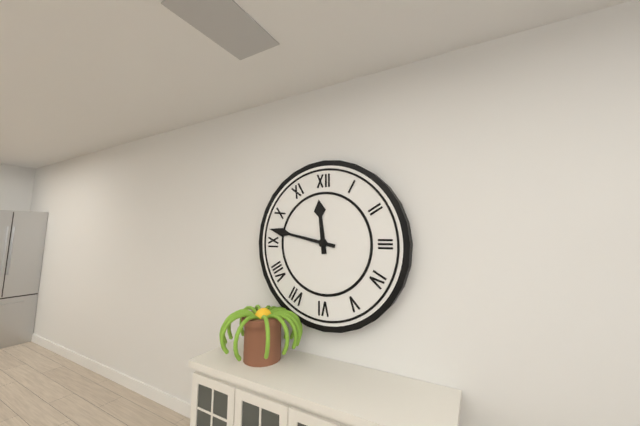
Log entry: **11:47**
